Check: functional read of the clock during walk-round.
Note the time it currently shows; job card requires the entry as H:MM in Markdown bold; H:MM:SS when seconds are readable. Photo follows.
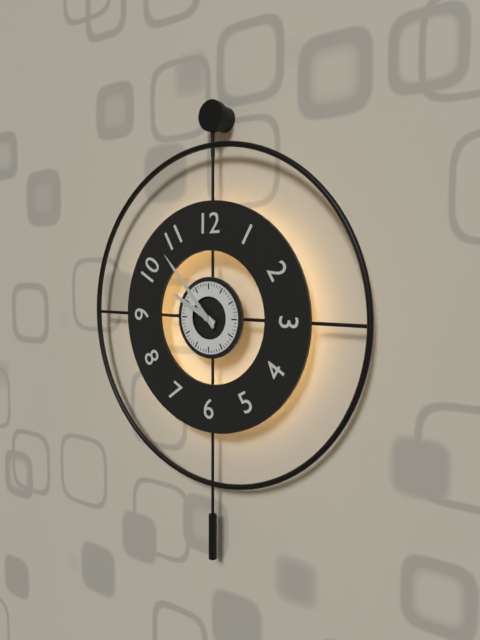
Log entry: **9:53**
